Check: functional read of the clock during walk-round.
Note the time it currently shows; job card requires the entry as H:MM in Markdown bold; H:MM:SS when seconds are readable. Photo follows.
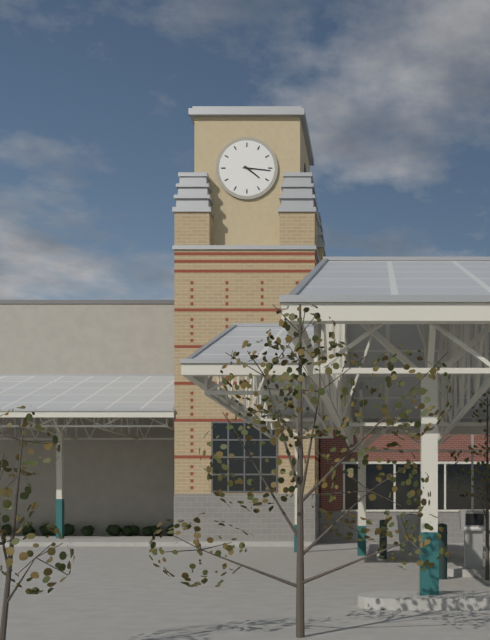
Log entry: **4:16**
